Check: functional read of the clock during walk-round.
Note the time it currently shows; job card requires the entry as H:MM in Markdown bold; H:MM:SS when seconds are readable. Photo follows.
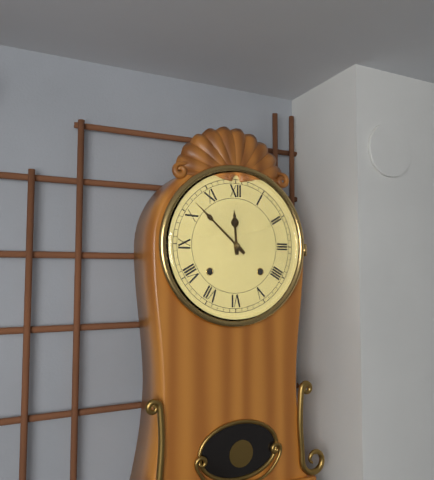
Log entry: **11:52**
